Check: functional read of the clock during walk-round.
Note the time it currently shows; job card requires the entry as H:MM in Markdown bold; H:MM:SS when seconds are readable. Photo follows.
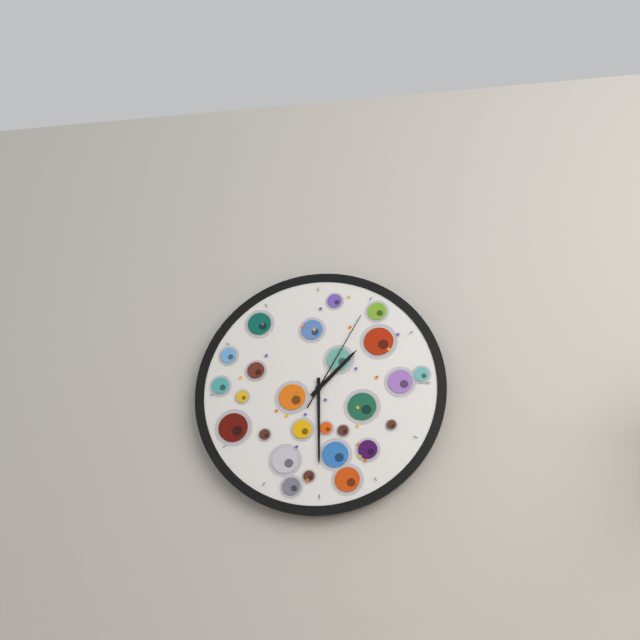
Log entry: **1:30:05**
